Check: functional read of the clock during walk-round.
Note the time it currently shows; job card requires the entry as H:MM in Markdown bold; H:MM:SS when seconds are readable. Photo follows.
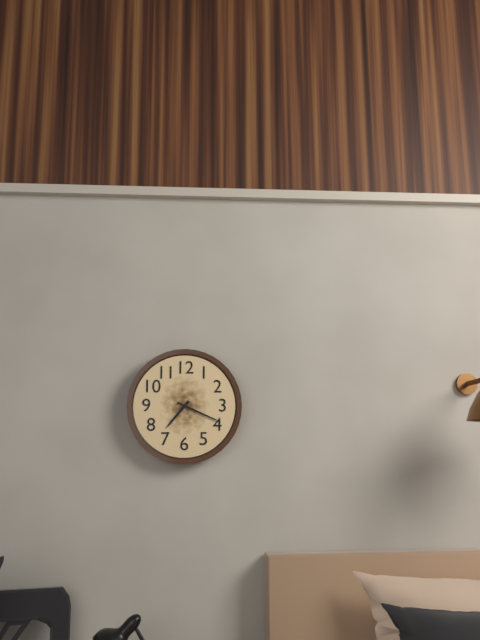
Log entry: **7:19**
